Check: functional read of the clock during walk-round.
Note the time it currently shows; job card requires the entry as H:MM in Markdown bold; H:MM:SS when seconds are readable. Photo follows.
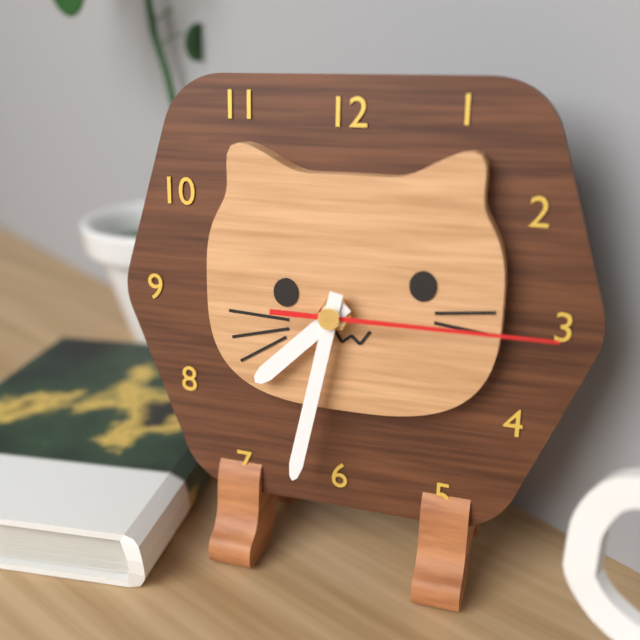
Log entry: **7:32:15**
